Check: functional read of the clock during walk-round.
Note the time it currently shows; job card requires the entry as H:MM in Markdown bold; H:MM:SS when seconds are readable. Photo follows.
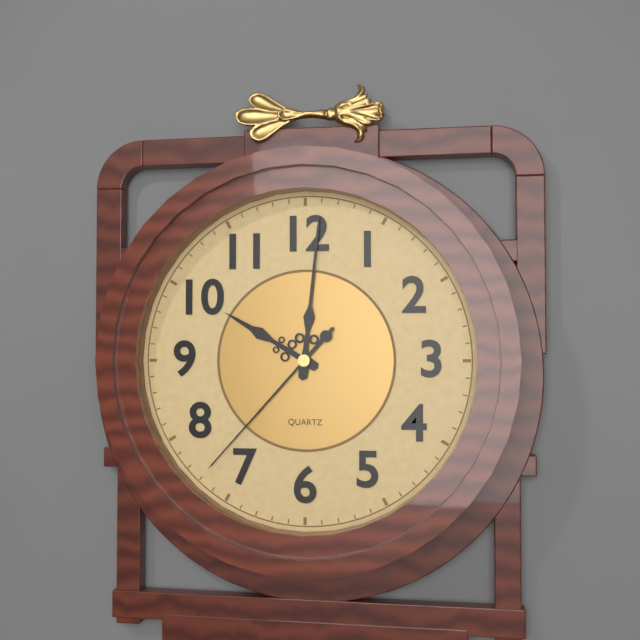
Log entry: **10:01:37**
